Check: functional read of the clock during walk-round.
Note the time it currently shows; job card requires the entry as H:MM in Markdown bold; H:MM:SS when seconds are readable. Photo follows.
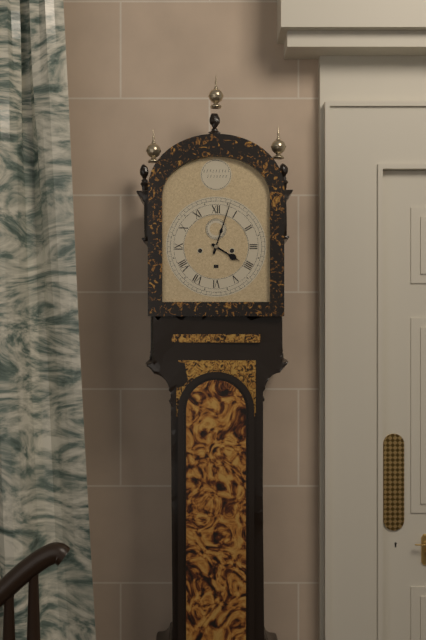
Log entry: **4:03**
